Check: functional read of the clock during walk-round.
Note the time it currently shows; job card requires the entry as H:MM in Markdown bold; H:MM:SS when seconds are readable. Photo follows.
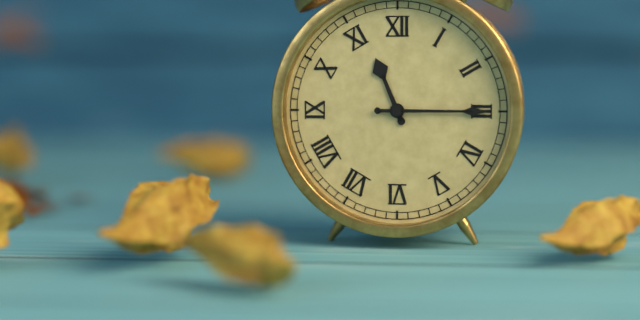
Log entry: **11:15**
